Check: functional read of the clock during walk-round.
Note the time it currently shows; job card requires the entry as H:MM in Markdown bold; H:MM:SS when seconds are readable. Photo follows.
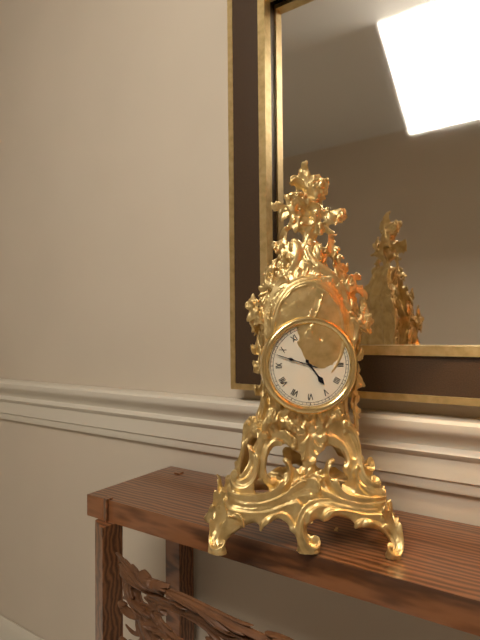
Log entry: **4:48**
